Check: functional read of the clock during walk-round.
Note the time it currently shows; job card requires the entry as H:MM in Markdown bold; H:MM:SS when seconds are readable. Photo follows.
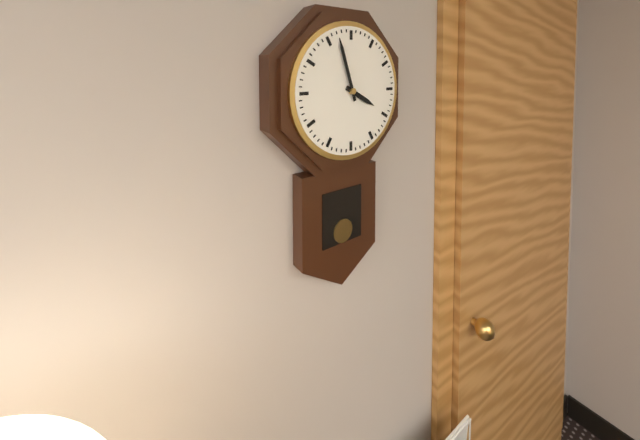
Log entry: **3:57**
